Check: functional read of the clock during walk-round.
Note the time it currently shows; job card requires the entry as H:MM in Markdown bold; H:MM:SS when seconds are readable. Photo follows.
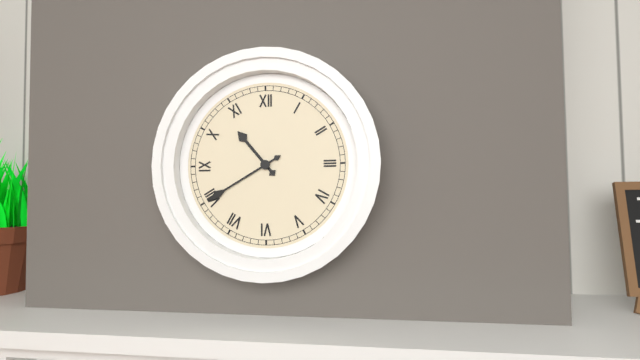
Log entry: **10:40**
